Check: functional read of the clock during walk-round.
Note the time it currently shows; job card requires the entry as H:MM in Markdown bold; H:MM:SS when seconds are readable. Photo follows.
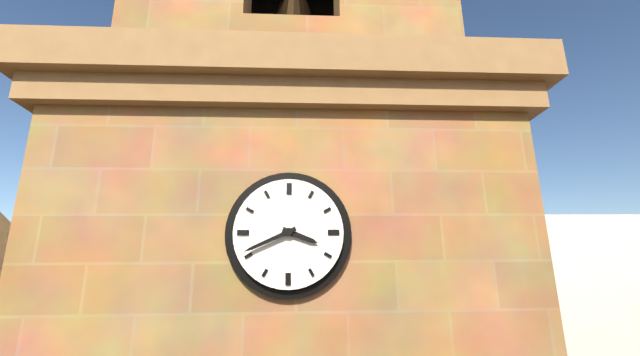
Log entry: **3:41**
